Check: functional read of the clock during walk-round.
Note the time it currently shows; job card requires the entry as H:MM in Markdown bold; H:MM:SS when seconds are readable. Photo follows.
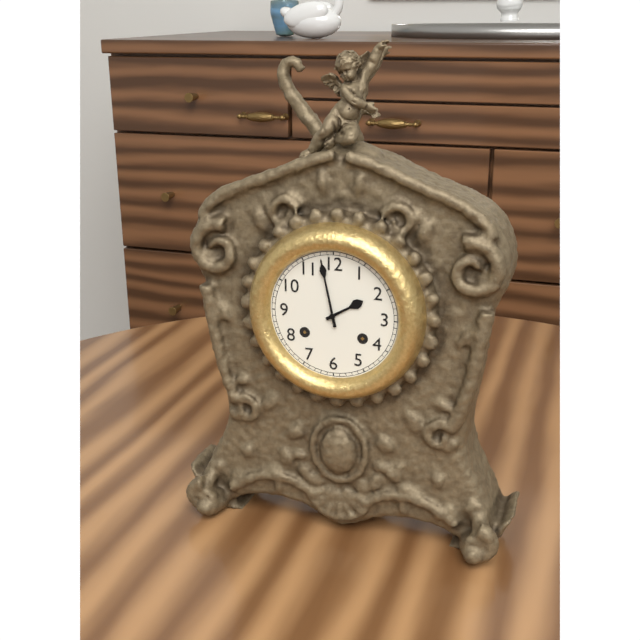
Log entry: **1:58**
